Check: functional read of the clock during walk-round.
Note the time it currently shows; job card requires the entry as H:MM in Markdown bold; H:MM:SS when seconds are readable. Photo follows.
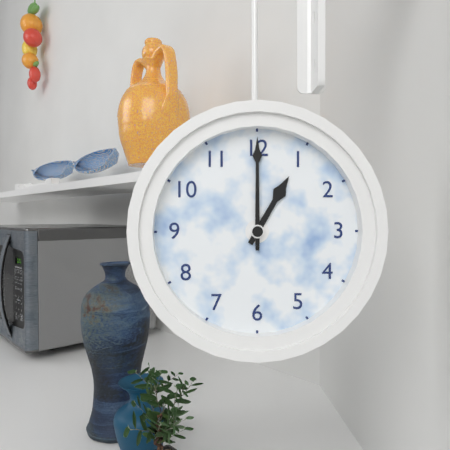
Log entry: **1:00**
